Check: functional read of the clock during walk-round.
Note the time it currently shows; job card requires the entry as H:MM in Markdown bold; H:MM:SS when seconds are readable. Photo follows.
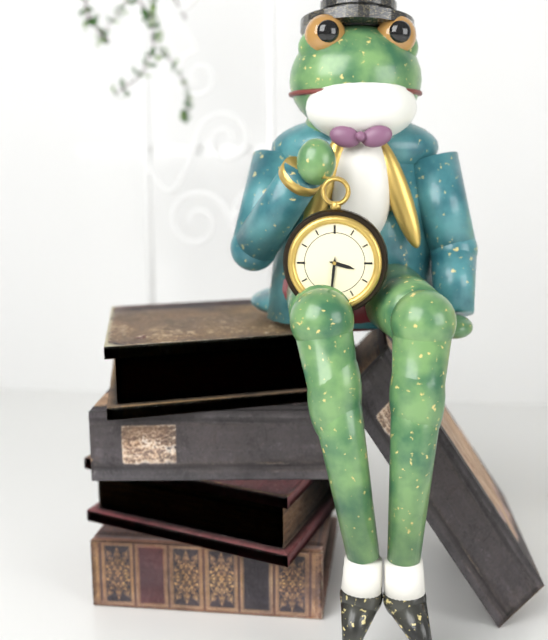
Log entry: **3:31**
